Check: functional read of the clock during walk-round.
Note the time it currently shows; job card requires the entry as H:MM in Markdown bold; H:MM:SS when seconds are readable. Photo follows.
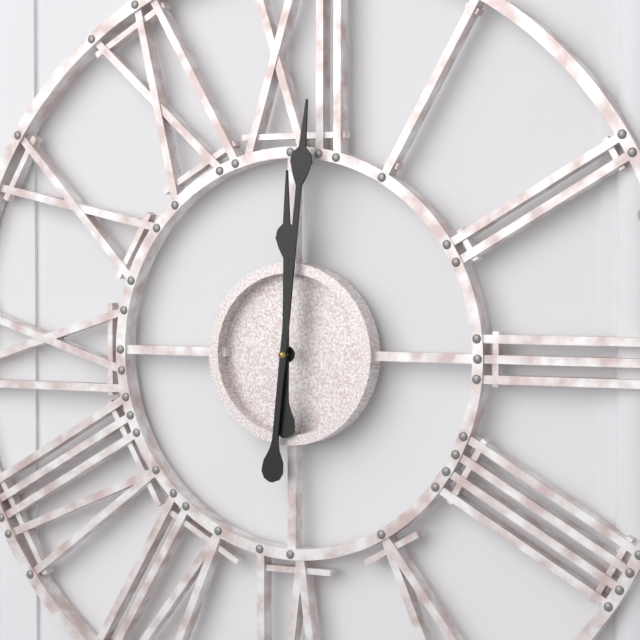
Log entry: **12:01**
